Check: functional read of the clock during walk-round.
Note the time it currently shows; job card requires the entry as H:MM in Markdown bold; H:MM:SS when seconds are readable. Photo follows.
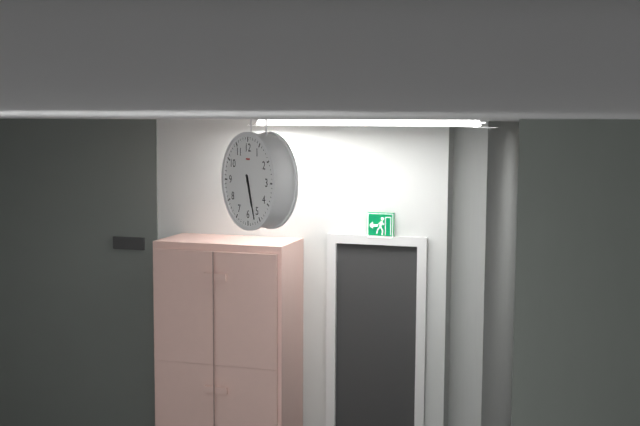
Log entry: **5:27**
